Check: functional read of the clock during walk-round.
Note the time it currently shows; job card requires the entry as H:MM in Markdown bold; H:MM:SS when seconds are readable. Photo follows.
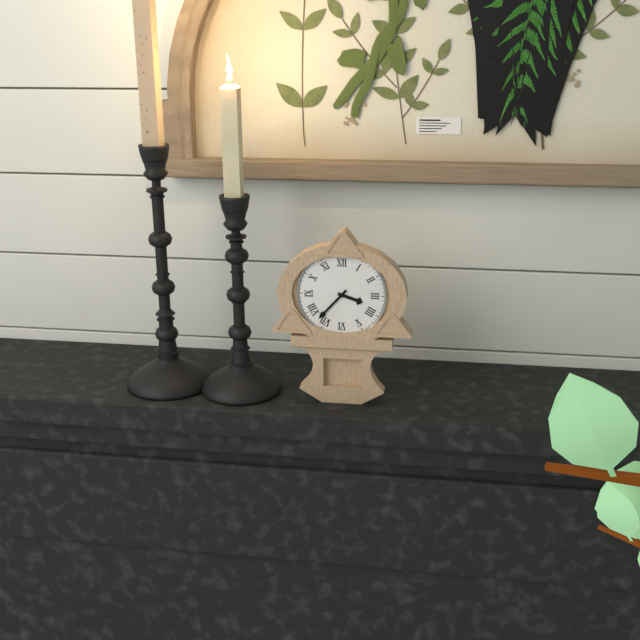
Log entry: **3:37**
